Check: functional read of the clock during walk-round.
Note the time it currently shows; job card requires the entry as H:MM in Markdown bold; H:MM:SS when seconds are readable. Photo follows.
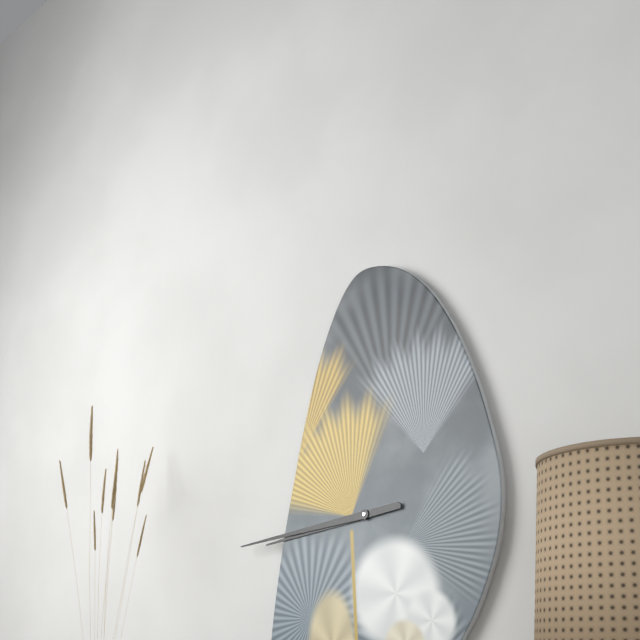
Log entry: **8:44**
